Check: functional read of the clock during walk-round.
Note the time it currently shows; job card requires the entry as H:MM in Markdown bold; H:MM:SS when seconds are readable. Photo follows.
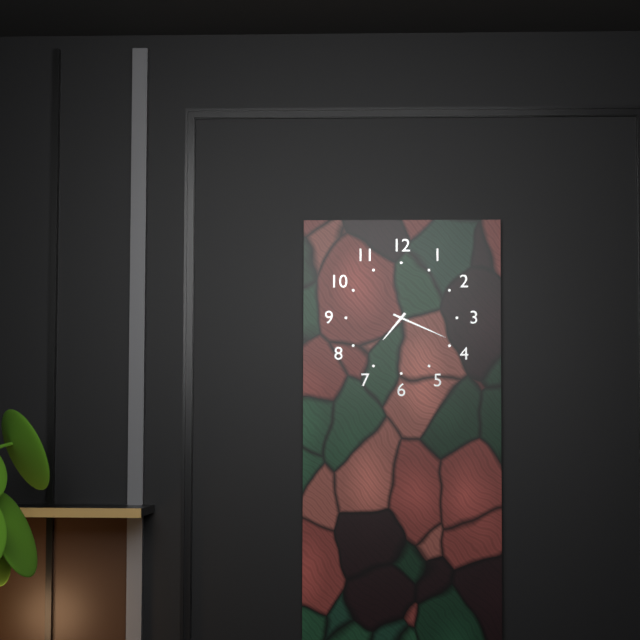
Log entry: **7:19**
